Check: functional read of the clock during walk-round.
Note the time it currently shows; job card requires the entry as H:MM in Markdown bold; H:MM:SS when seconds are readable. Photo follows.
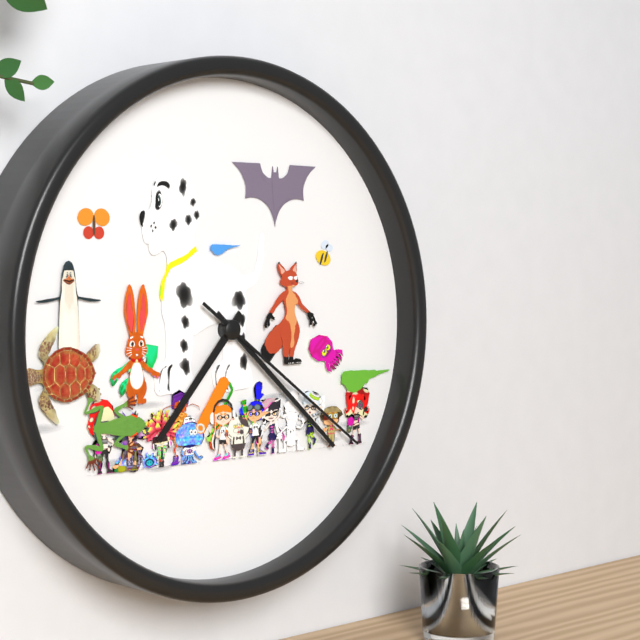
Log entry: **7:22:21**
